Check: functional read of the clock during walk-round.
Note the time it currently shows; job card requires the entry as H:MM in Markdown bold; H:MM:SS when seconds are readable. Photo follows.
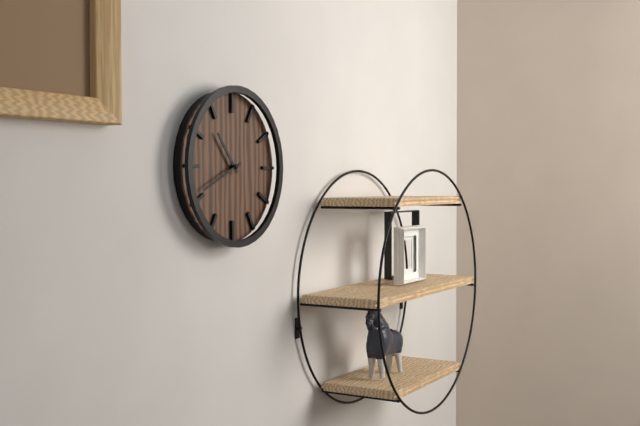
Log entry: **10:41**
